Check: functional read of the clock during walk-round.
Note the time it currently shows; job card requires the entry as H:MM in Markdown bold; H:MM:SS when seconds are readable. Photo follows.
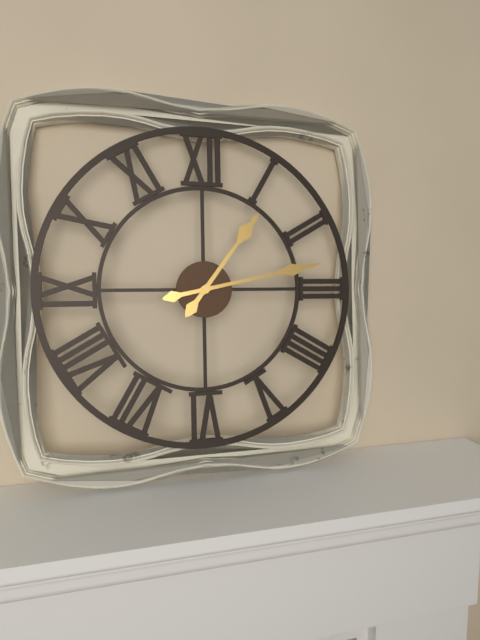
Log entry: **1:13**
